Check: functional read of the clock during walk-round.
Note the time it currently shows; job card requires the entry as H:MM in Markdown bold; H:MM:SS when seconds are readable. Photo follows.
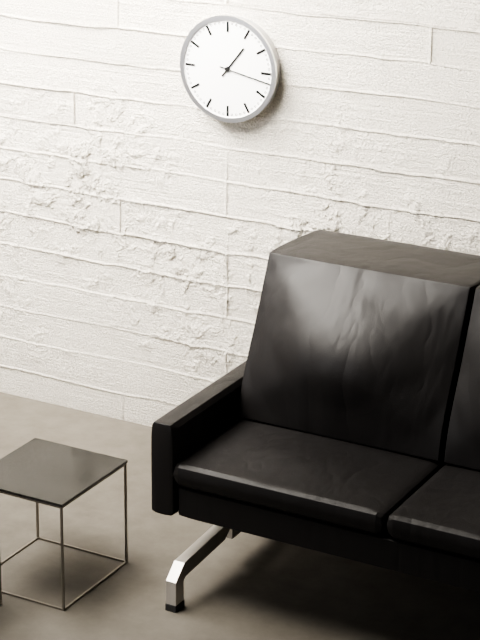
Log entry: **1:17**
